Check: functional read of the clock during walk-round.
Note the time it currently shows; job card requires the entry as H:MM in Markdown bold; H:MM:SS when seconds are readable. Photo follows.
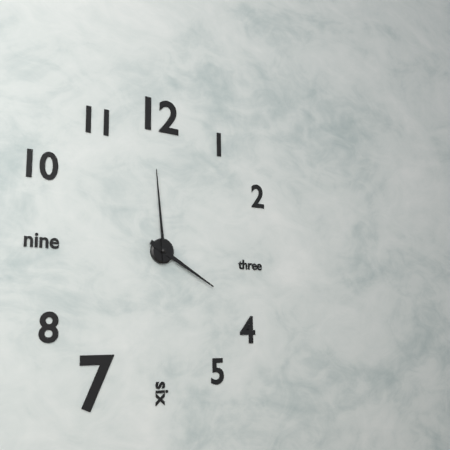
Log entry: **3:59**
